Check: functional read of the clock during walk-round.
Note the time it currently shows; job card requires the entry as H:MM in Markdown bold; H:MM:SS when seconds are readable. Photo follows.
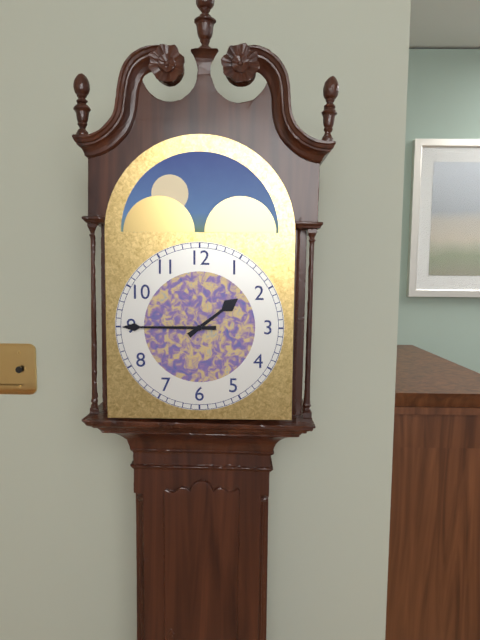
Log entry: **1:45**
